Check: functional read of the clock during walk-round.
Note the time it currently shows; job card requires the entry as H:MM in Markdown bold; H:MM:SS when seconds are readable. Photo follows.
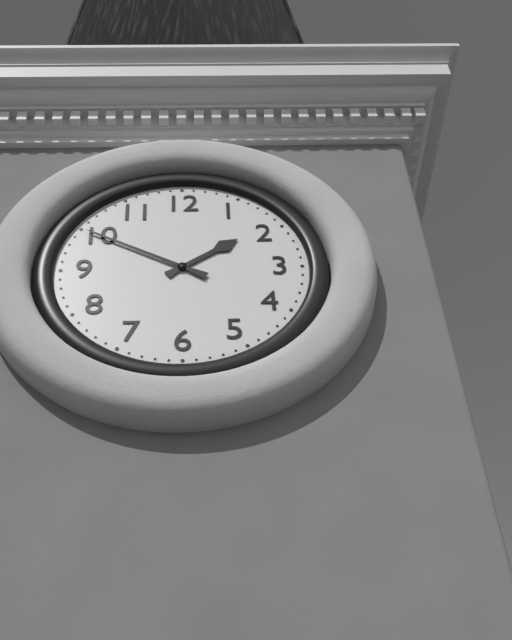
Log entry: **1:50**
